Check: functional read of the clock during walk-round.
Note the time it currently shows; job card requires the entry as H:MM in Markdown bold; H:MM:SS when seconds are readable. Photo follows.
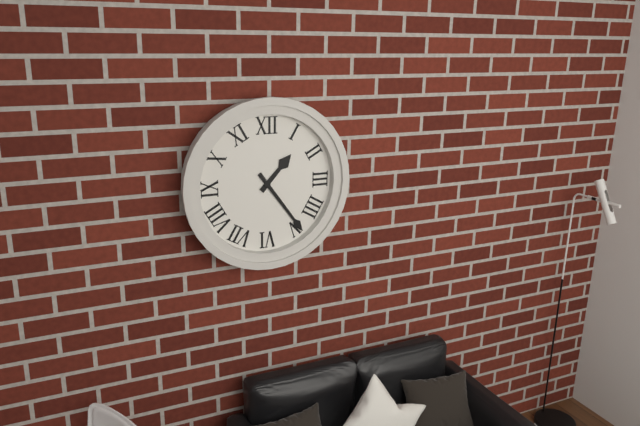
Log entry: **1:24**
